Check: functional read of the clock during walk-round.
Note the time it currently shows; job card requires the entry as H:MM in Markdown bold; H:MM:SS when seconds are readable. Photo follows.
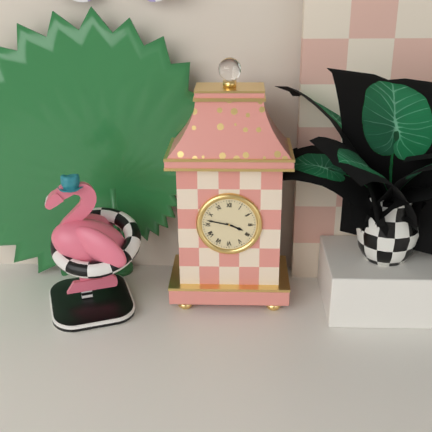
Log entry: **3:47**
